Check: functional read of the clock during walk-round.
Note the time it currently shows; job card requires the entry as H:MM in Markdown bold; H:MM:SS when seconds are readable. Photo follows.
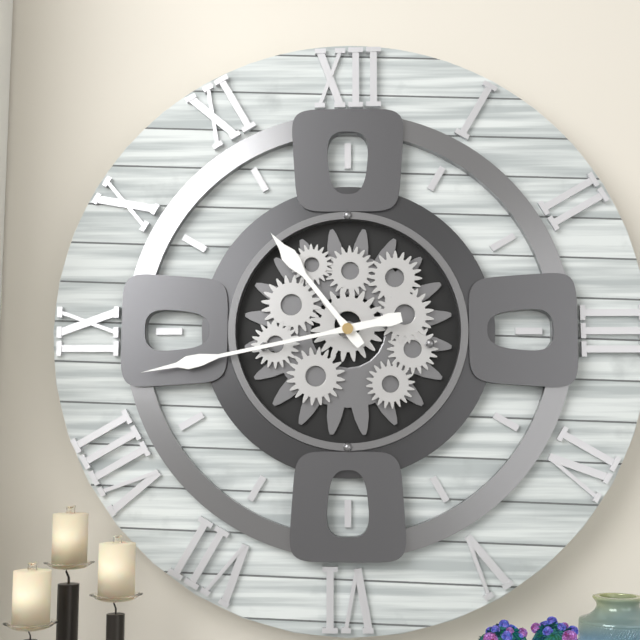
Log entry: **10:43**
